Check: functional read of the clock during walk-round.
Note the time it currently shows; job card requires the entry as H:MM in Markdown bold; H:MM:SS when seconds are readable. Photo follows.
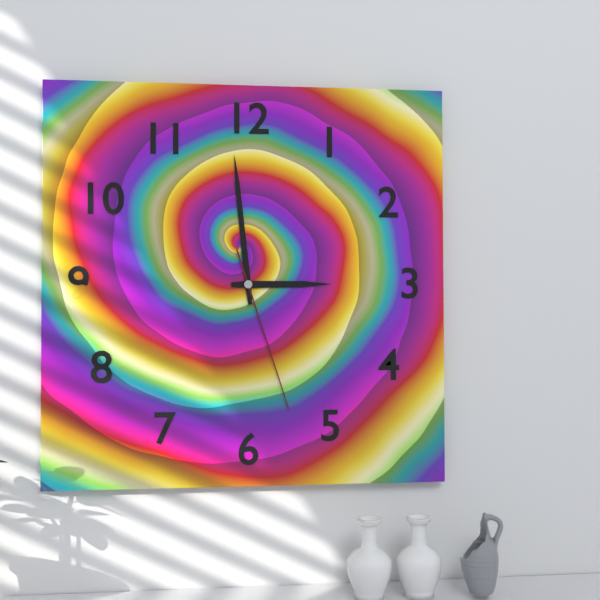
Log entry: **2:59:27**
